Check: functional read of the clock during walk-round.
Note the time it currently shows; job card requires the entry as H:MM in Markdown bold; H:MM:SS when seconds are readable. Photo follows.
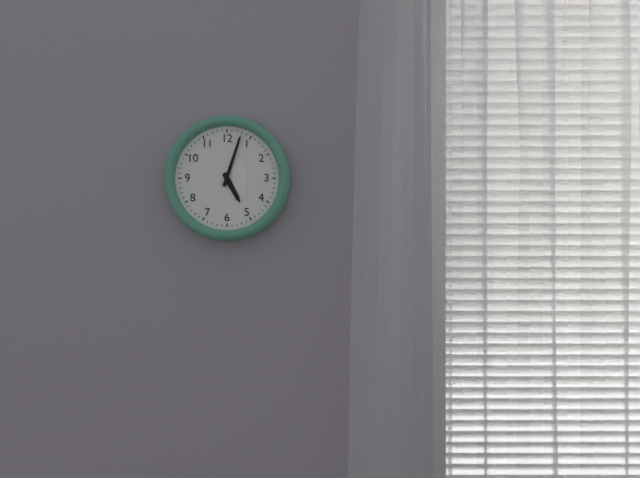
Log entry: **5:03**
